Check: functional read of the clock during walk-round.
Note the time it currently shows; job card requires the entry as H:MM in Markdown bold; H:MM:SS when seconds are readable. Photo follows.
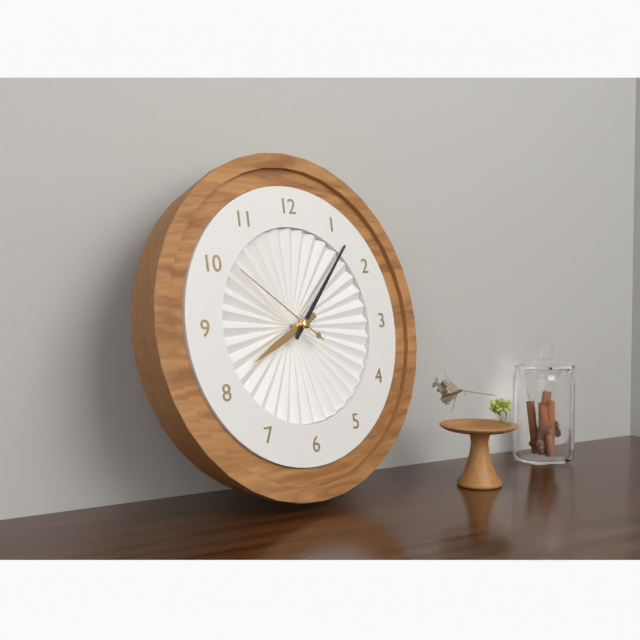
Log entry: **8:07:51**
